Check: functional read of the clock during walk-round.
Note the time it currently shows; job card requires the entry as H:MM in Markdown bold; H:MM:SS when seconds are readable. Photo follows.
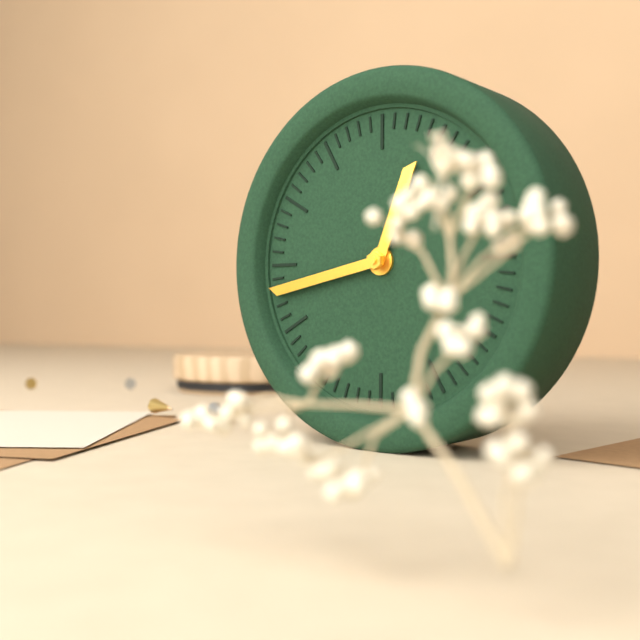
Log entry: **12:43**
